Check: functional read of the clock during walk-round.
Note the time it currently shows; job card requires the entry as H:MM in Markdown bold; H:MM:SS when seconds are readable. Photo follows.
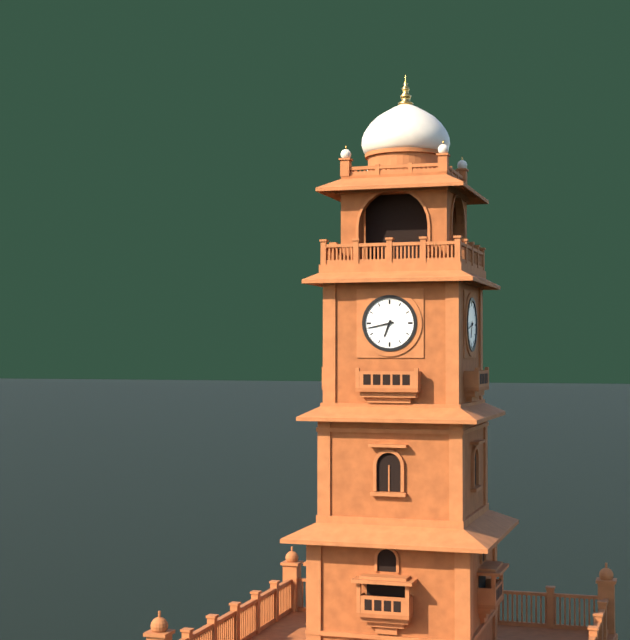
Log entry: **6:43**
